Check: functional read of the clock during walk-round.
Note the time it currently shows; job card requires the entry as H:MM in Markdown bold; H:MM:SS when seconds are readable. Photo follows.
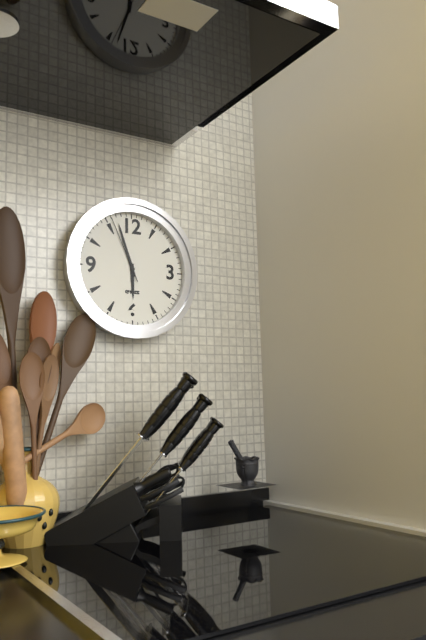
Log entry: **5:57:56**
